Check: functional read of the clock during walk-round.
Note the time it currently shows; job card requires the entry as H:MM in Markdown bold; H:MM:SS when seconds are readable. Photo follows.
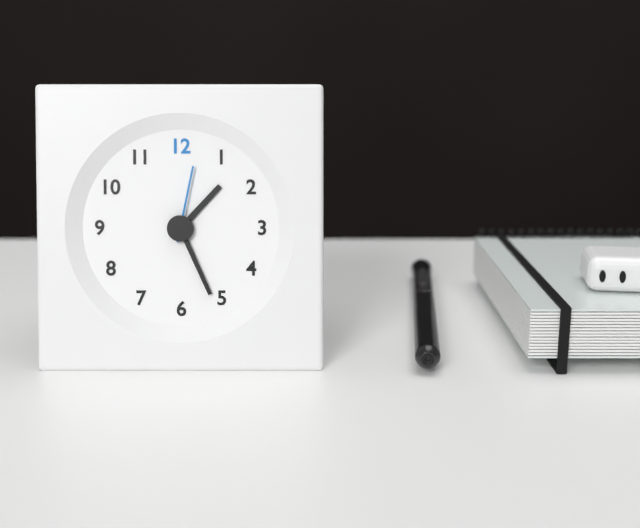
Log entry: **1:26:02**
